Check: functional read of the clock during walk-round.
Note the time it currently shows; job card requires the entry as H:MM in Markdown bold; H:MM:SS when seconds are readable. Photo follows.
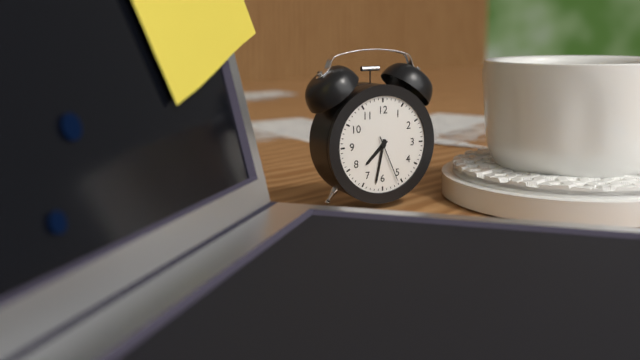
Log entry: **7:32:26**
